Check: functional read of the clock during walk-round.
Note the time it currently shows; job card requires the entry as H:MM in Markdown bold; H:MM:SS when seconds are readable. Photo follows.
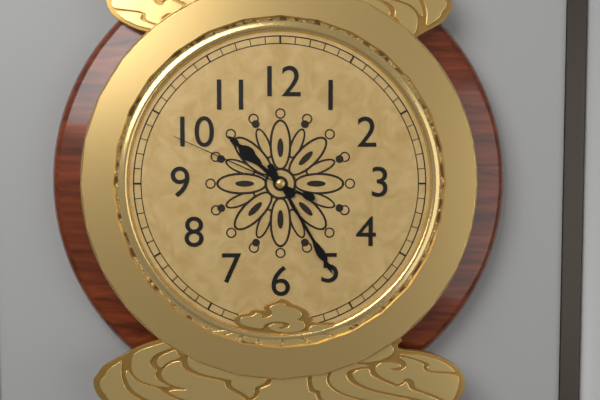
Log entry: **10:25:49**
